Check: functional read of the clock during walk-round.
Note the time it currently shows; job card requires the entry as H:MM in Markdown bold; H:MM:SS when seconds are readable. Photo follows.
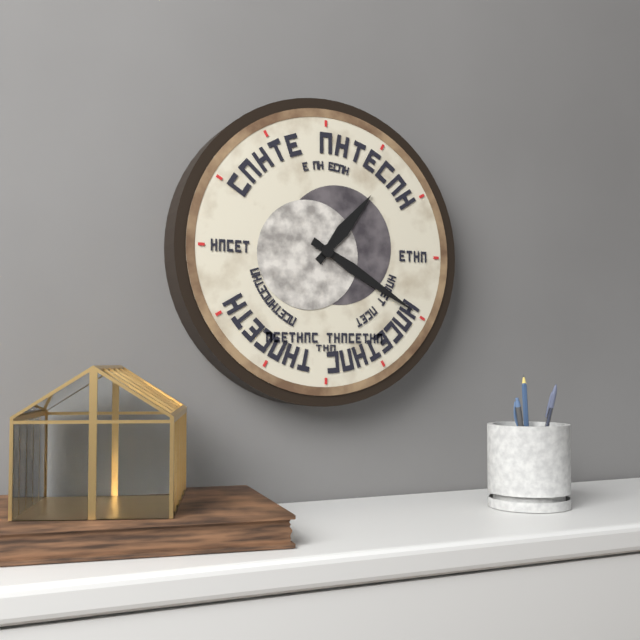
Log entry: **1:20**
